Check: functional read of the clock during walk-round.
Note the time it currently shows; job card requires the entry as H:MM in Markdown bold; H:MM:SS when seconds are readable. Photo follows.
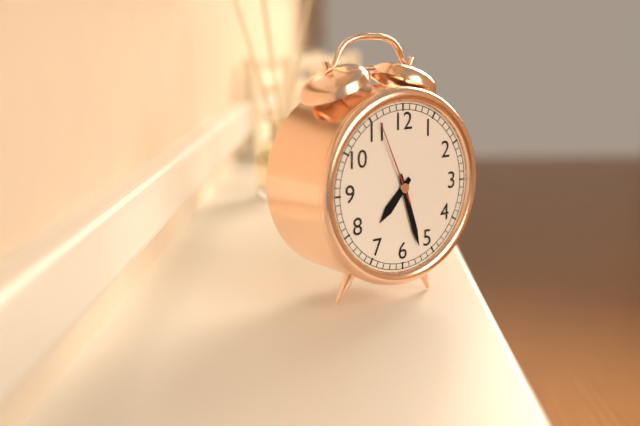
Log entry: **7:27:56**
